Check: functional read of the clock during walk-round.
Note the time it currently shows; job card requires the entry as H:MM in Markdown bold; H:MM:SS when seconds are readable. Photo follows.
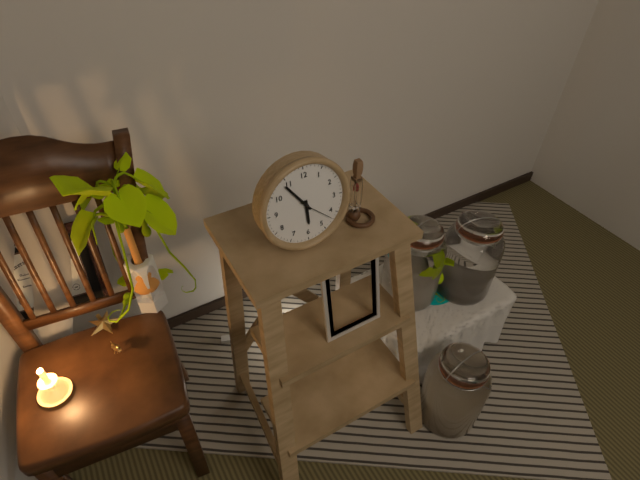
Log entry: **5:54**
